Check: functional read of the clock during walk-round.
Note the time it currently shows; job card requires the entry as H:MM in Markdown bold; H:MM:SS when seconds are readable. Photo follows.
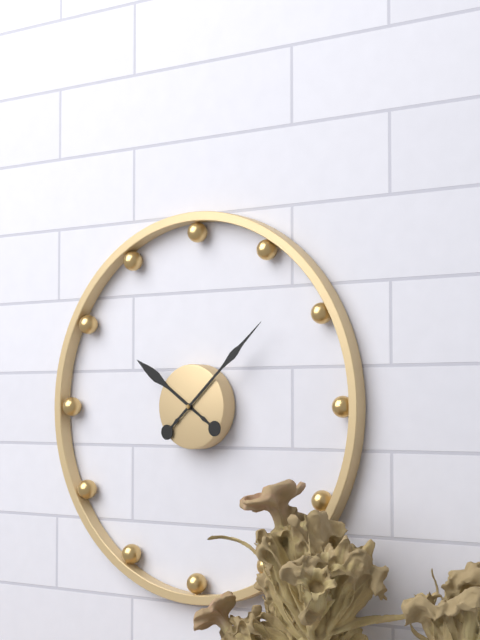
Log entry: **10:08**
